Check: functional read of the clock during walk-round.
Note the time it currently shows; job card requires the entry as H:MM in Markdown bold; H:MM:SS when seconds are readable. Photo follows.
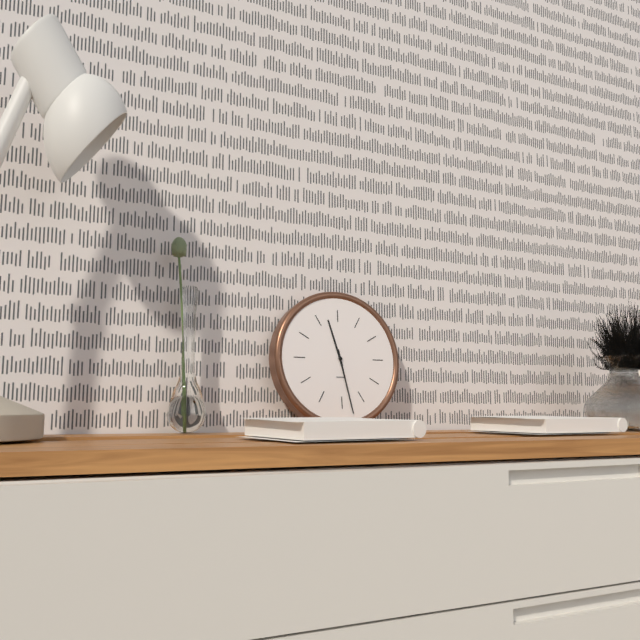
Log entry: **11:28**
